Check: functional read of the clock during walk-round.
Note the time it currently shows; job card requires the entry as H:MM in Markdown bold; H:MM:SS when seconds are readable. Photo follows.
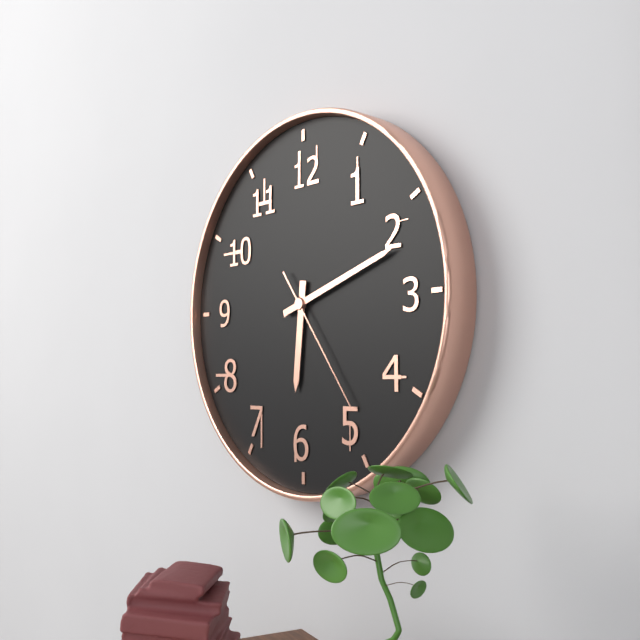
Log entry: **6:12:24**
